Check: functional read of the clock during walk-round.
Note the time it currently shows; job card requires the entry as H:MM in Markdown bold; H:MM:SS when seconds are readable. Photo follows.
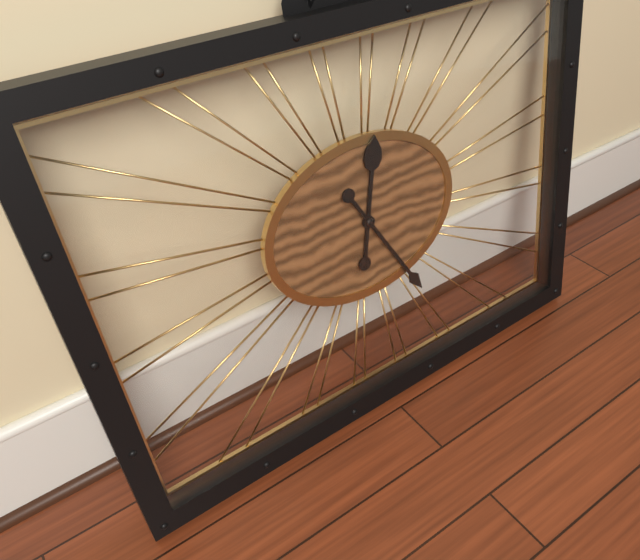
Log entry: **12:25**
